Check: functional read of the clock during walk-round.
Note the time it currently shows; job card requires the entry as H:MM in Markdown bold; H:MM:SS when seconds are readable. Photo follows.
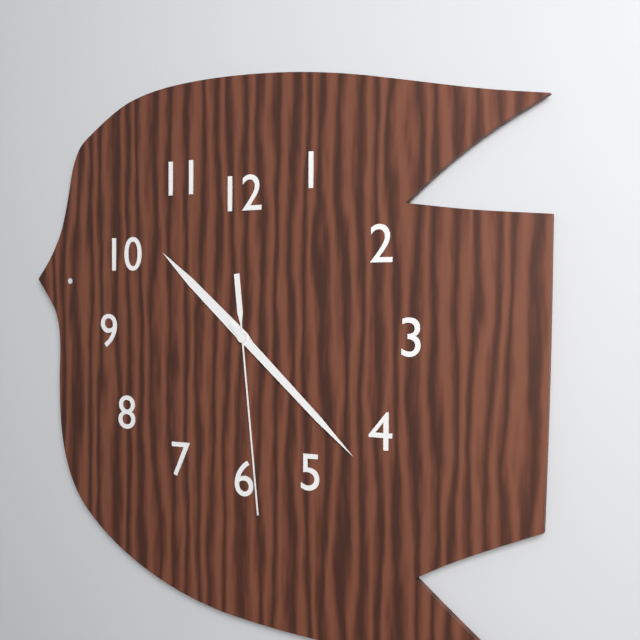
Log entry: **10:22:29**
